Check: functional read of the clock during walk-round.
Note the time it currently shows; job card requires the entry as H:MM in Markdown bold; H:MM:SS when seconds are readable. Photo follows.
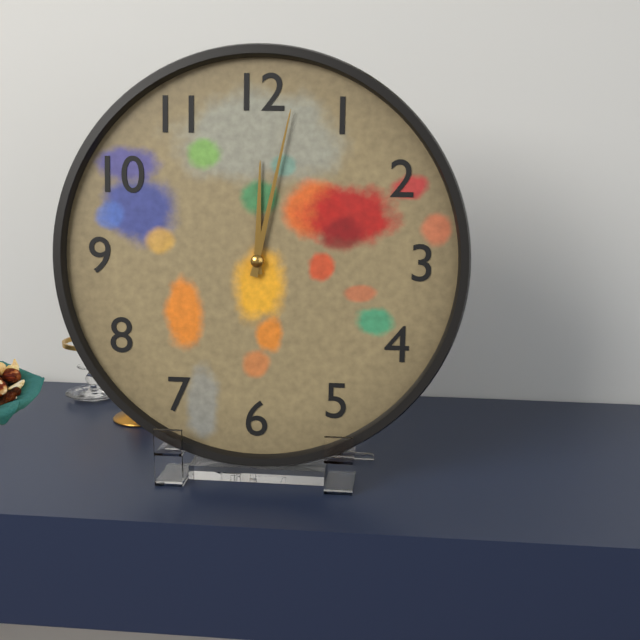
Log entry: **12:02**
